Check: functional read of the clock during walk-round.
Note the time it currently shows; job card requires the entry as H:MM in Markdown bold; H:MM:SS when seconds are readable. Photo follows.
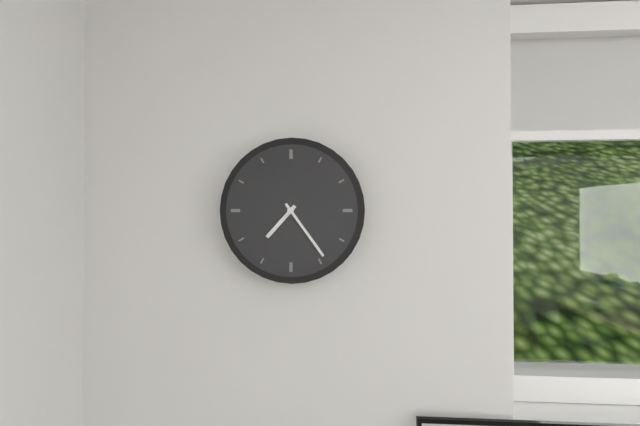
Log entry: **7:24**
